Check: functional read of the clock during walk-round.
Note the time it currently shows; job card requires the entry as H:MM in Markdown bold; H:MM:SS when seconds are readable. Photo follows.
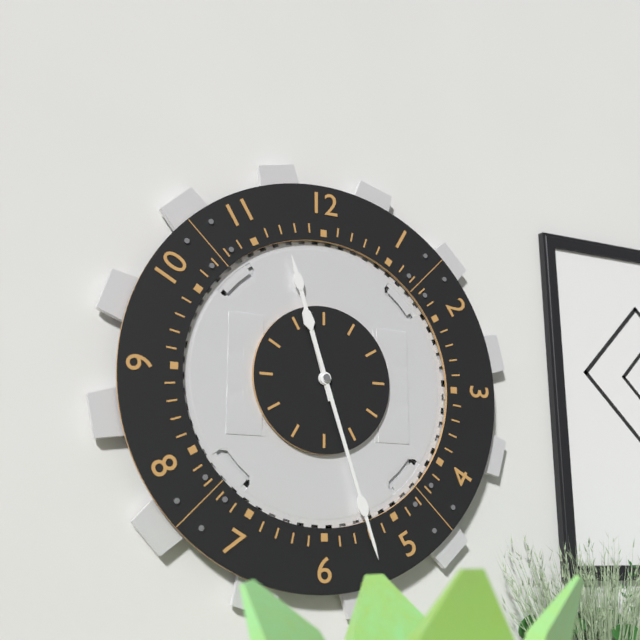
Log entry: **11:27**
